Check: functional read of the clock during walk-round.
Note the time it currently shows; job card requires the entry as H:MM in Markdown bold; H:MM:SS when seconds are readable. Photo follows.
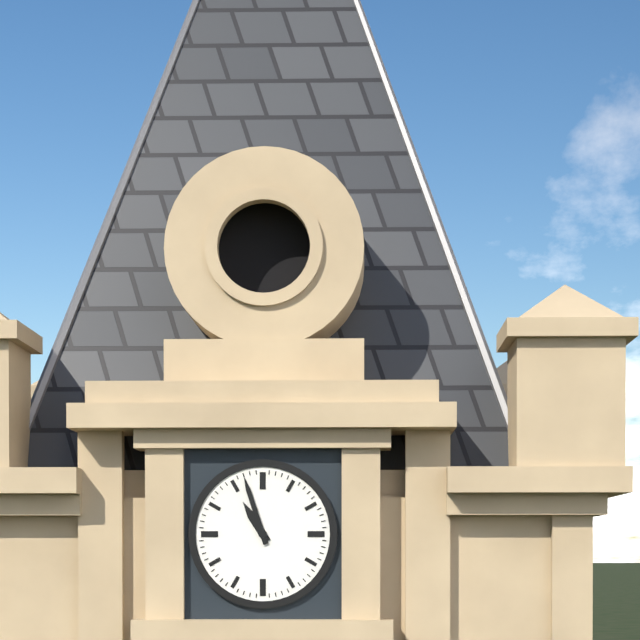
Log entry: **10:57**
